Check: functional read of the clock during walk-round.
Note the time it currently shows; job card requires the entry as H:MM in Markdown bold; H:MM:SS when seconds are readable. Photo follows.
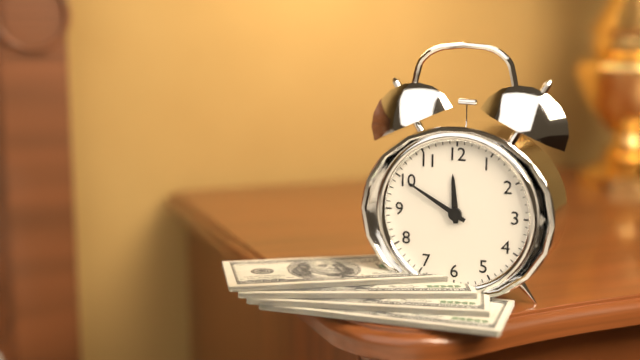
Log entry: **11:50**
